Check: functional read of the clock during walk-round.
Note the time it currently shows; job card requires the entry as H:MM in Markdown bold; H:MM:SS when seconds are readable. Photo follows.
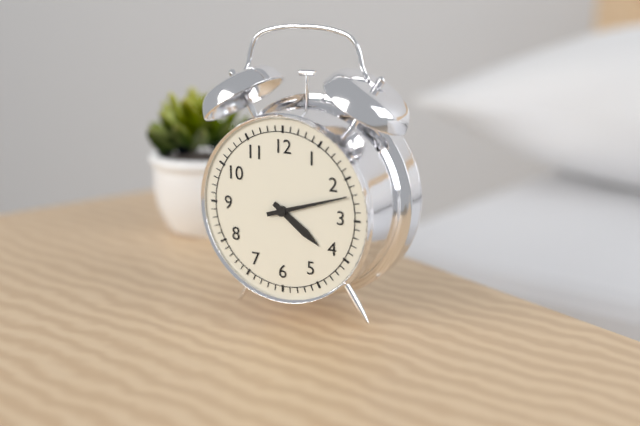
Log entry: **4:12**
